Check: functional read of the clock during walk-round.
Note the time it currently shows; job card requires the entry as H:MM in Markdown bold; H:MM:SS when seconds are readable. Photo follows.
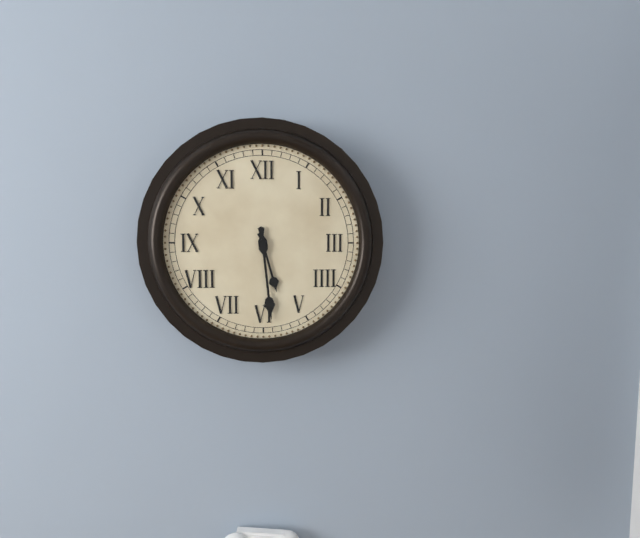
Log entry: **5:29**
